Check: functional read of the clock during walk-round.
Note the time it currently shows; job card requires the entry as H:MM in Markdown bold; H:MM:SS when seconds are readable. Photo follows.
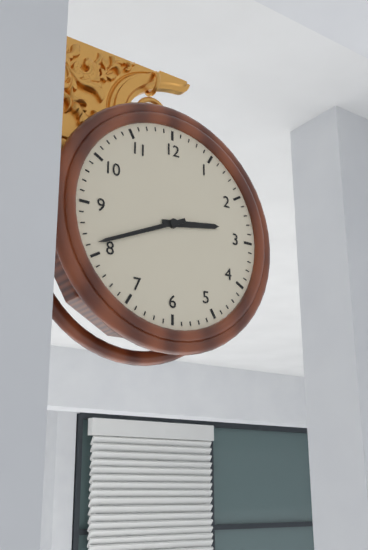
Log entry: **2:41**
